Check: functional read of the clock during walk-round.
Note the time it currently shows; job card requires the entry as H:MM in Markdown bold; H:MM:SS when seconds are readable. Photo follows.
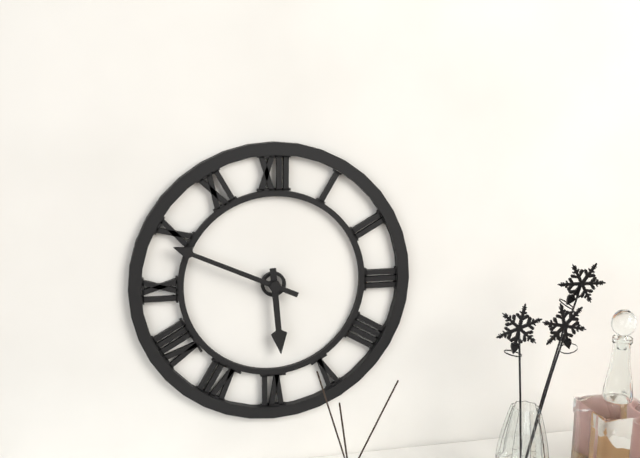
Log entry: **5:49**
